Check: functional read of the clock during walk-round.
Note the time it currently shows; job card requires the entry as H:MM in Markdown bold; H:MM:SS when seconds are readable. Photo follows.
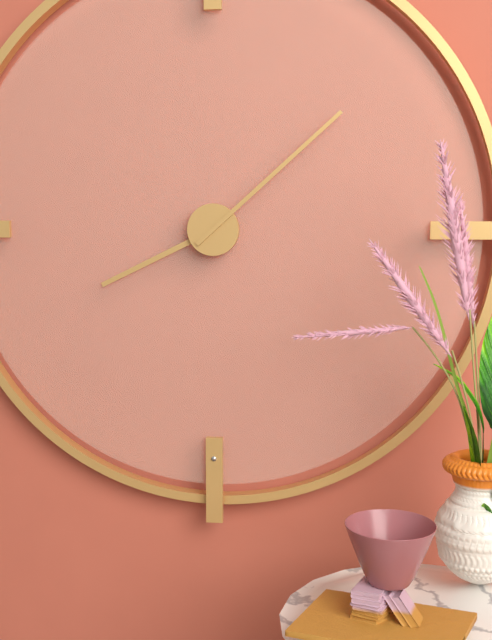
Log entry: **8:08**
